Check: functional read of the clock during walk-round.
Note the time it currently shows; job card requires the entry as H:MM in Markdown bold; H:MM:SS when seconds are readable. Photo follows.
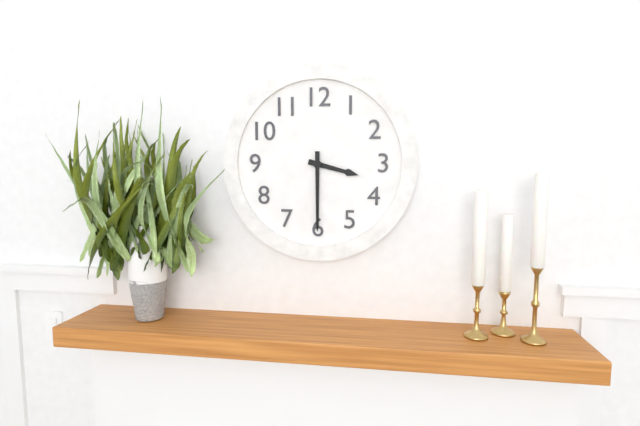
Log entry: **3:30**
